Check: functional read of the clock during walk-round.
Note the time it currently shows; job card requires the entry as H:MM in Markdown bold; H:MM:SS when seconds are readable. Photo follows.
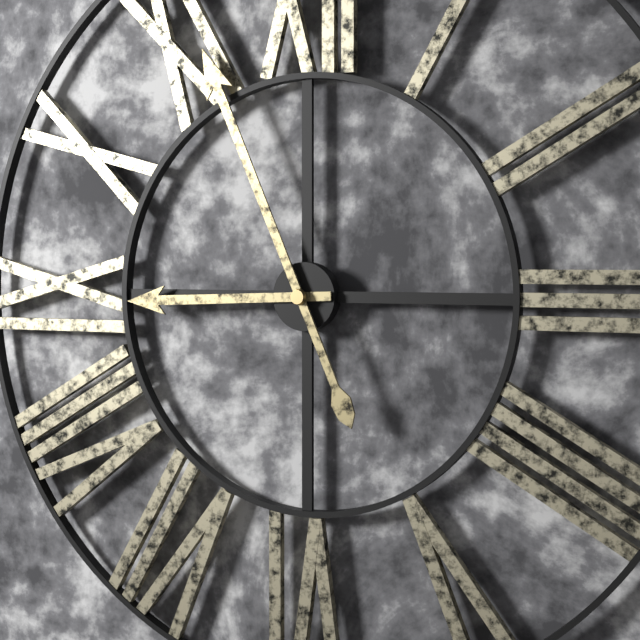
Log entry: **8:56**
